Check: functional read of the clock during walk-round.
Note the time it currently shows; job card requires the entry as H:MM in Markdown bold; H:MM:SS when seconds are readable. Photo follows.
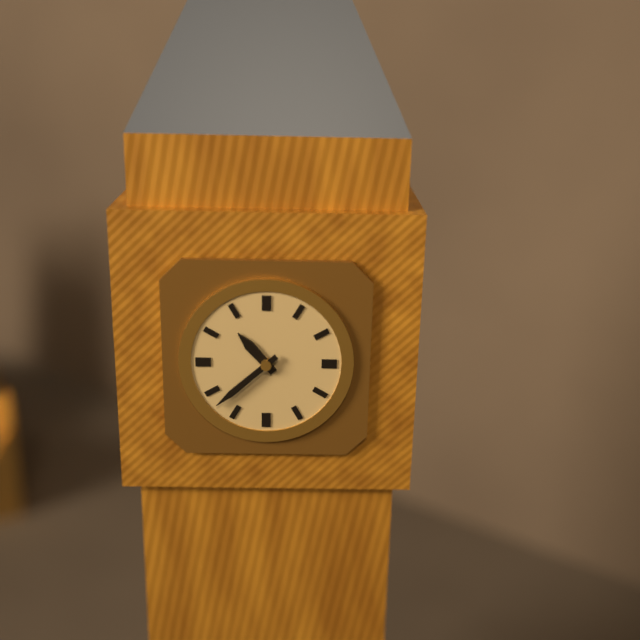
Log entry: **10:38**
